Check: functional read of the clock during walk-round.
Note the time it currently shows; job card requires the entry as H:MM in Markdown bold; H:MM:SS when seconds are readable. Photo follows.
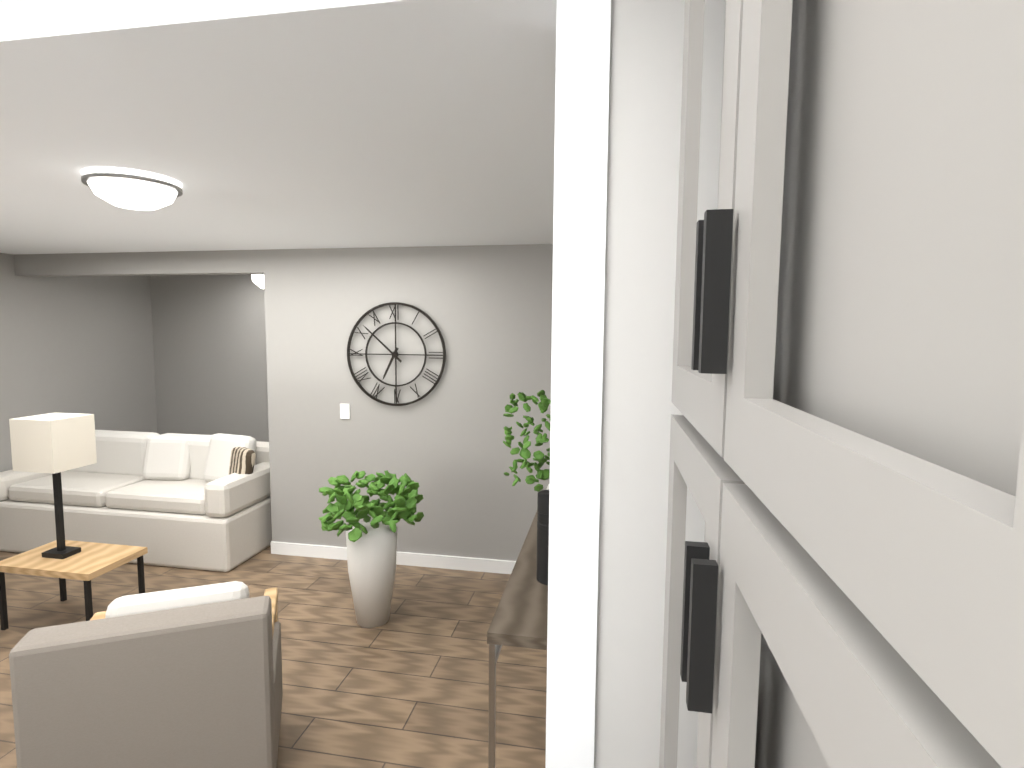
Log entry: **6:52**
